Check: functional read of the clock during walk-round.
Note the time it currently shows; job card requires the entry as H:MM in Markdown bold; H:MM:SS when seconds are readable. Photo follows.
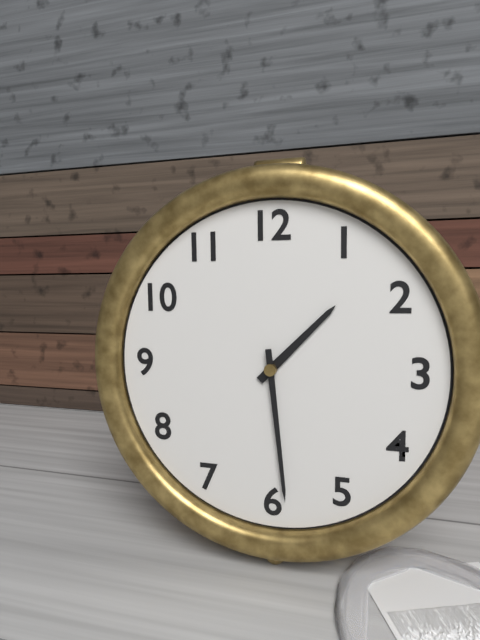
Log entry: **1:29**
